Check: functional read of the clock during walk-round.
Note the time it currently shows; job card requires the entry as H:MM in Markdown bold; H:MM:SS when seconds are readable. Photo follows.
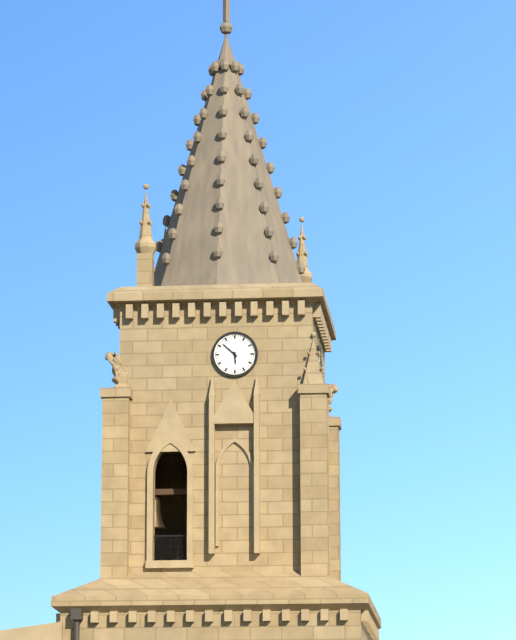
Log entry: **5:52**
